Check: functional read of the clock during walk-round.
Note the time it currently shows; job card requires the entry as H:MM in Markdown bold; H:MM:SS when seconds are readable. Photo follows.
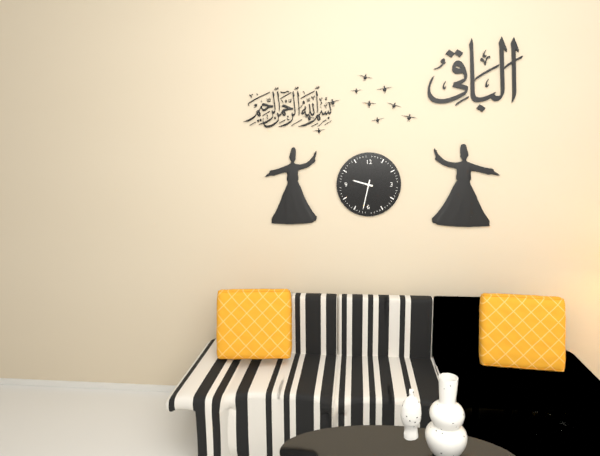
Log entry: **9:32**
